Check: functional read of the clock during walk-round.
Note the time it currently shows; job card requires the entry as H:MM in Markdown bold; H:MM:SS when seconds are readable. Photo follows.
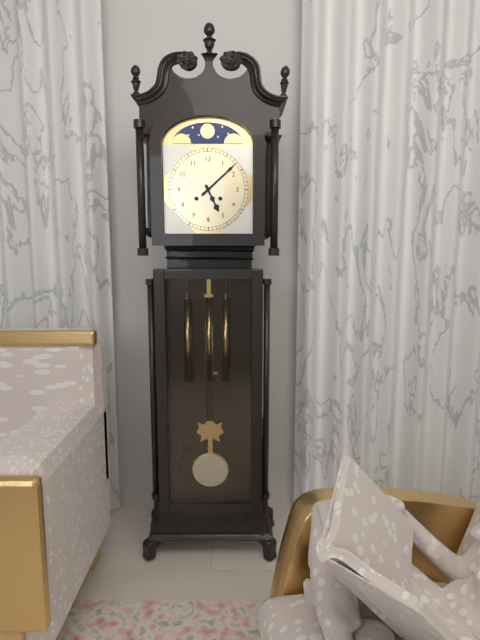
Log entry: **5:08**
